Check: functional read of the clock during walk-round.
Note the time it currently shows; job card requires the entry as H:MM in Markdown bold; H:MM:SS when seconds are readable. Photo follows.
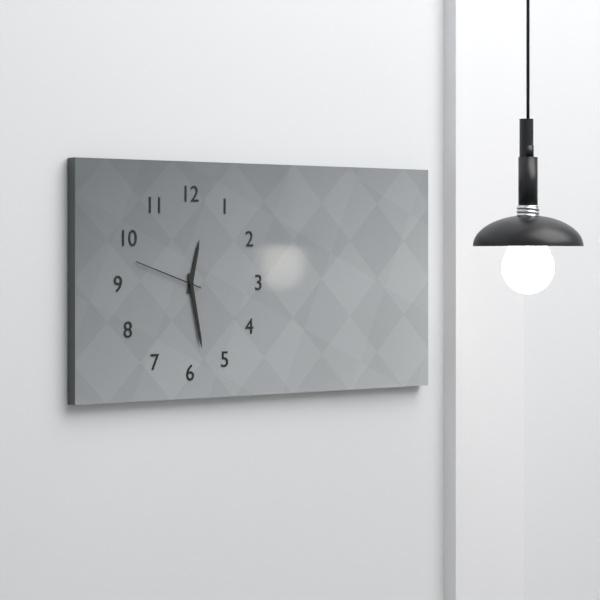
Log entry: **12:28:48**
